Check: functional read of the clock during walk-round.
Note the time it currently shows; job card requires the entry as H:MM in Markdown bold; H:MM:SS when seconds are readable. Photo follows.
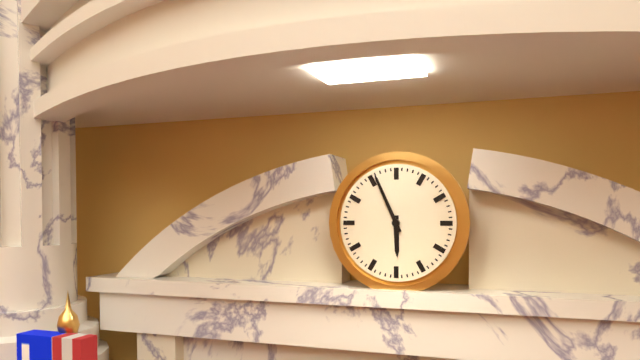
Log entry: **5:56**
